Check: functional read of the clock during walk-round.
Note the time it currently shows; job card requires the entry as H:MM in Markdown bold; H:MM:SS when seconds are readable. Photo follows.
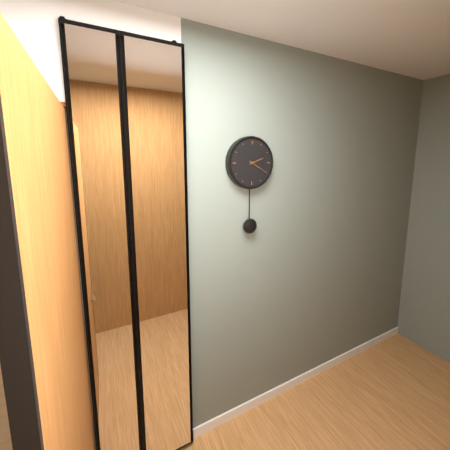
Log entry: **2:20**
